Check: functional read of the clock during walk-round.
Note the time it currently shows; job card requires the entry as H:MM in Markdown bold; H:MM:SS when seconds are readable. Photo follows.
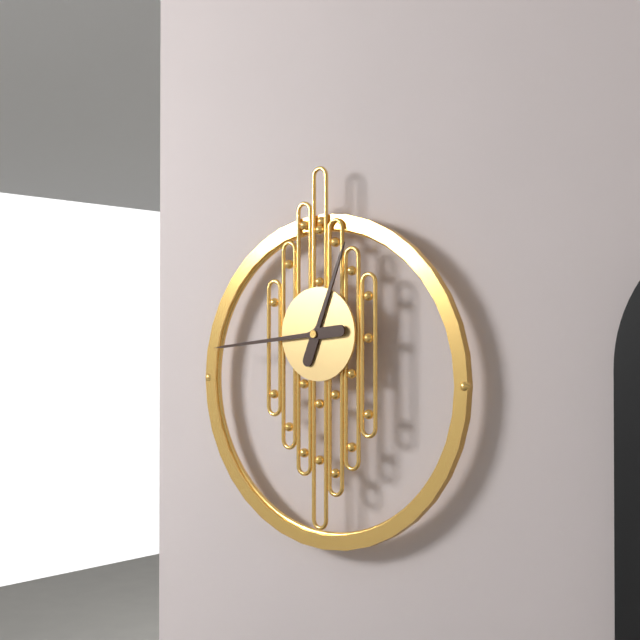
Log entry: **12:44**
